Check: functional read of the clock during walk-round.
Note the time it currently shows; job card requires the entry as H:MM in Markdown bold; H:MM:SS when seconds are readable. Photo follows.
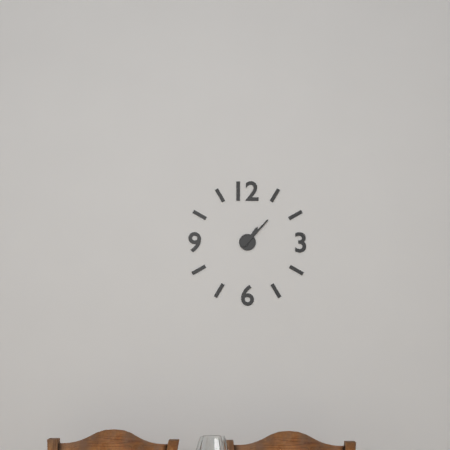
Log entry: **1:07**
